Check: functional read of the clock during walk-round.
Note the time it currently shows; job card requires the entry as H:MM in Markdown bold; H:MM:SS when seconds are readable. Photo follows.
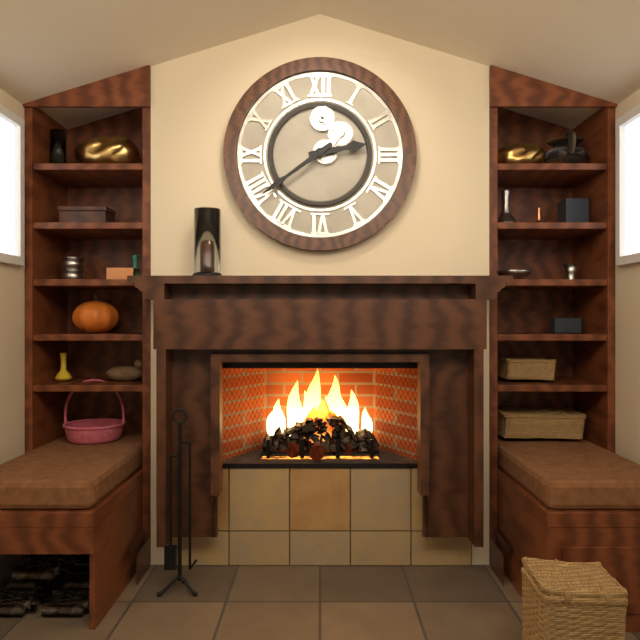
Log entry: **2:39**
